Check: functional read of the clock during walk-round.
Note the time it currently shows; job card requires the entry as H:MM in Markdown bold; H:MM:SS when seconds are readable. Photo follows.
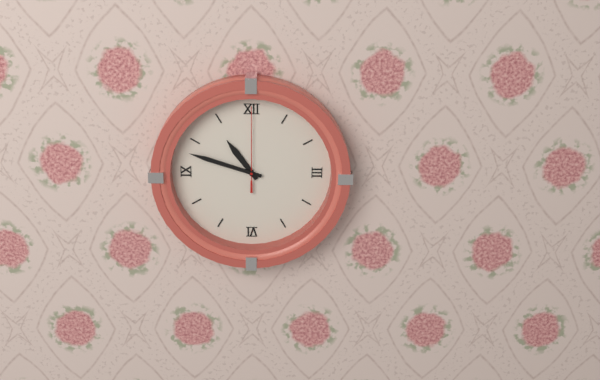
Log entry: **10:48:00**
